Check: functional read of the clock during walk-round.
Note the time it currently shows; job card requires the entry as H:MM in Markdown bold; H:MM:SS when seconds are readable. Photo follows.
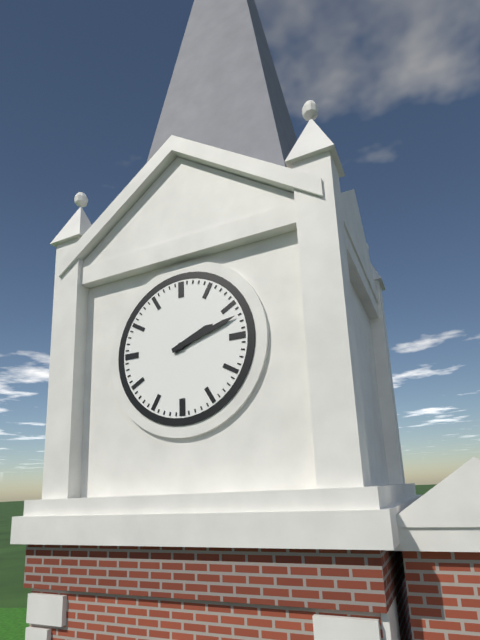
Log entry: **2:12**
